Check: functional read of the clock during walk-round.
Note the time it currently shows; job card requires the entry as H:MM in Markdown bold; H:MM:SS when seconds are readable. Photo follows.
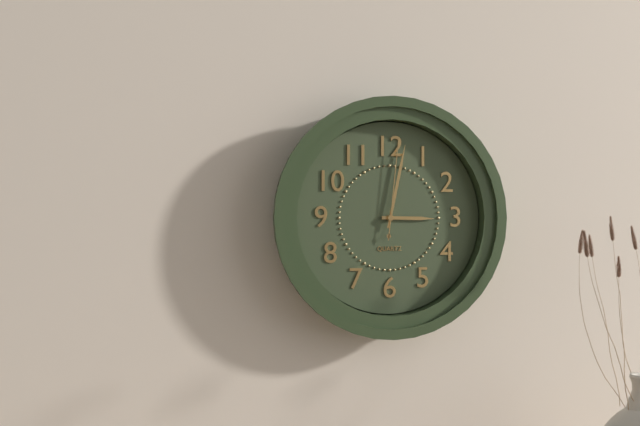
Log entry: **3:02:01**
